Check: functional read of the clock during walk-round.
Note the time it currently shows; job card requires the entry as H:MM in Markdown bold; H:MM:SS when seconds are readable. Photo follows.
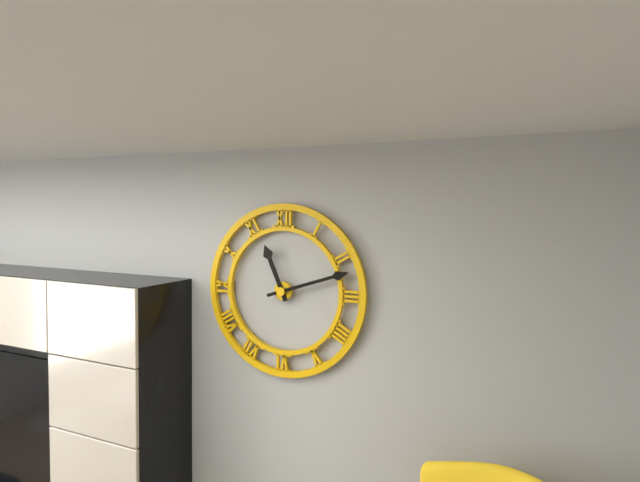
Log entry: **11:12**
